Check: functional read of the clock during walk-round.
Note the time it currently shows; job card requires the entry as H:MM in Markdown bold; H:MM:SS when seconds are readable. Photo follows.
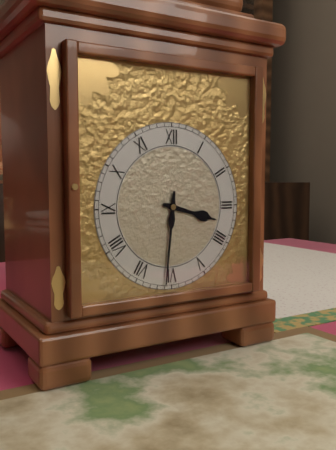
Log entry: **3:31**
